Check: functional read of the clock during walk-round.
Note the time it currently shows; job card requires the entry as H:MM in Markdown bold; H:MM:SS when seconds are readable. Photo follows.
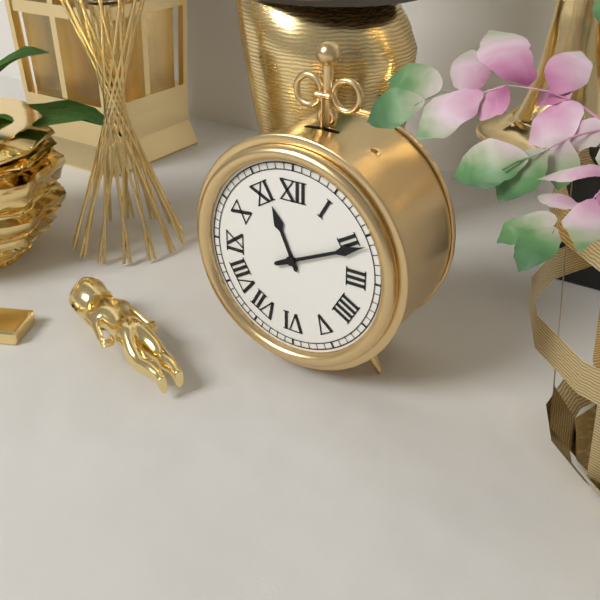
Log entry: **11:11**
